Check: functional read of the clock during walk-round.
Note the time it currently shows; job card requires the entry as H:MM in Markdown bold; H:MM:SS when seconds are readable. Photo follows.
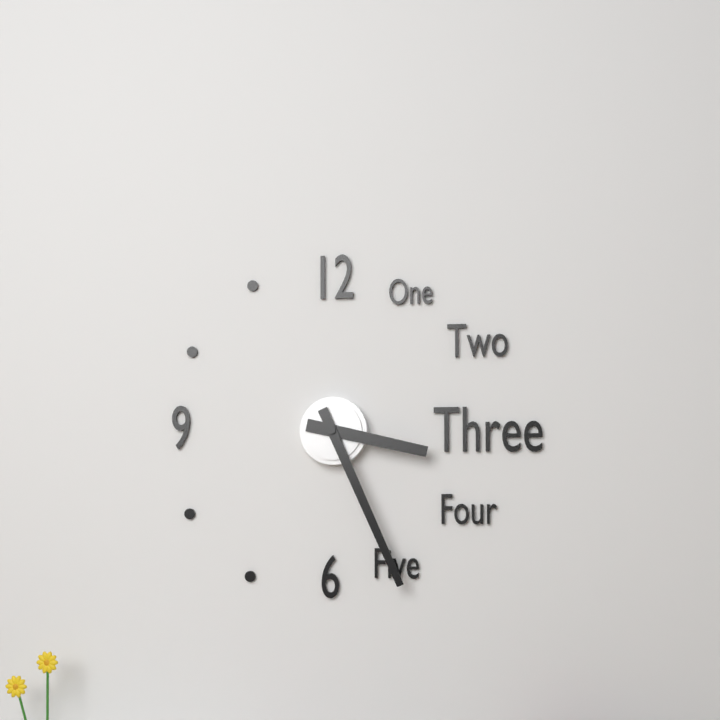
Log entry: **3:26**
